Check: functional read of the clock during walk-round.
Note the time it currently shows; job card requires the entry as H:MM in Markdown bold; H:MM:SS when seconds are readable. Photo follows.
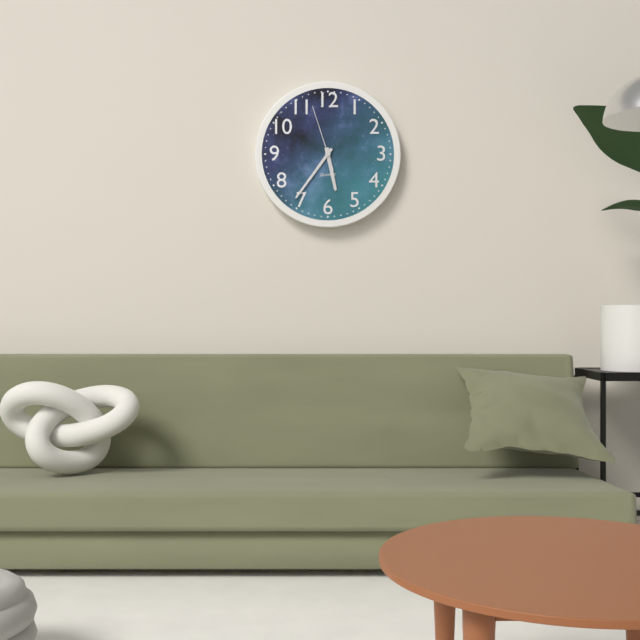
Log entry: **5:36:57**
